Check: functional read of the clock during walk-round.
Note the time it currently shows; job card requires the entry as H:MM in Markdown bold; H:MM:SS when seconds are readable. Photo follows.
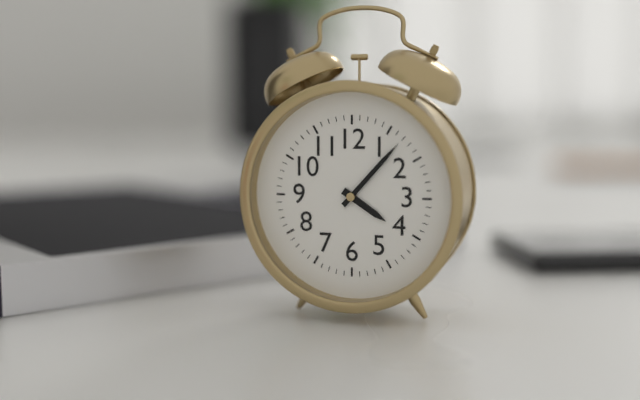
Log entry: **4:07**
